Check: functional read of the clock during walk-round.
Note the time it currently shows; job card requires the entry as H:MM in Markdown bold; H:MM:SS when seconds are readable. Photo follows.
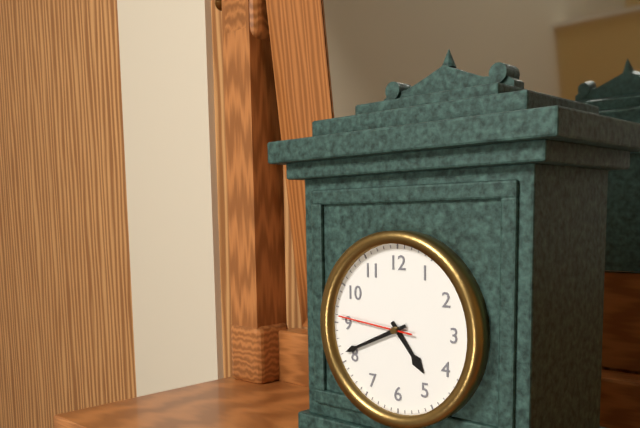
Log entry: **4:41:46**
